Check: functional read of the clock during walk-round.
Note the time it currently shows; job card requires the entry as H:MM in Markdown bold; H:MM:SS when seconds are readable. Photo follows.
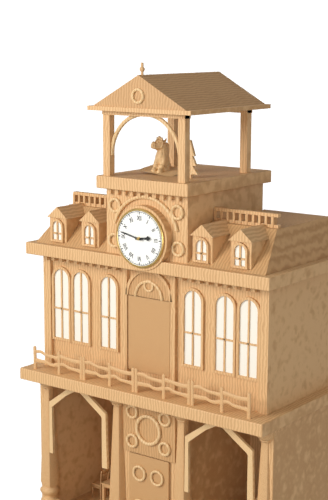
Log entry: **2:47**
